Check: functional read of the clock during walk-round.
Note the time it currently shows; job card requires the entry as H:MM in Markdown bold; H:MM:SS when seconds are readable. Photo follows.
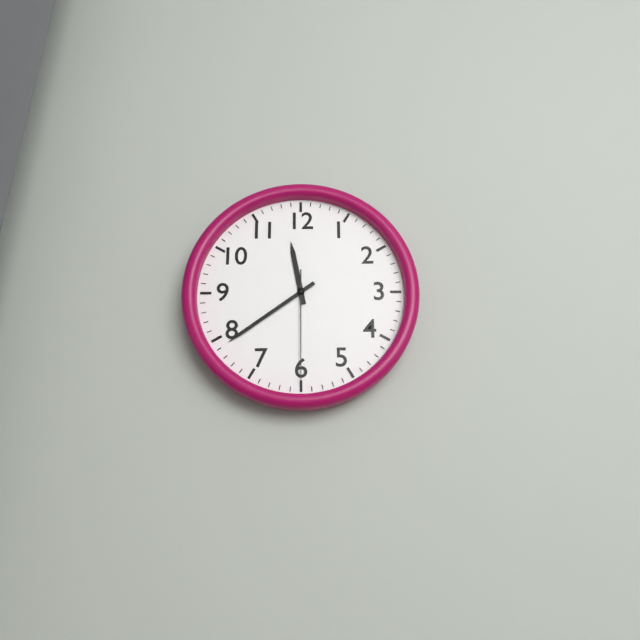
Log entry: **11:39:30**
